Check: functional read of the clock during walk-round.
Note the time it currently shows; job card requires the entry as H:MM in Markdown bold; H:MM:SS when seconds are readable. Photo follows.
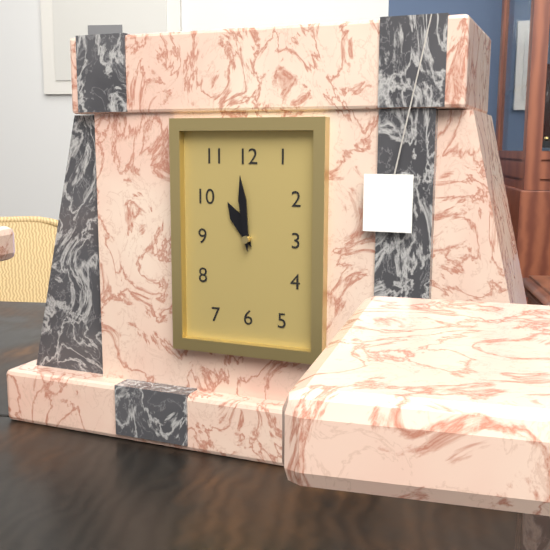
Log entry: **10:59**
